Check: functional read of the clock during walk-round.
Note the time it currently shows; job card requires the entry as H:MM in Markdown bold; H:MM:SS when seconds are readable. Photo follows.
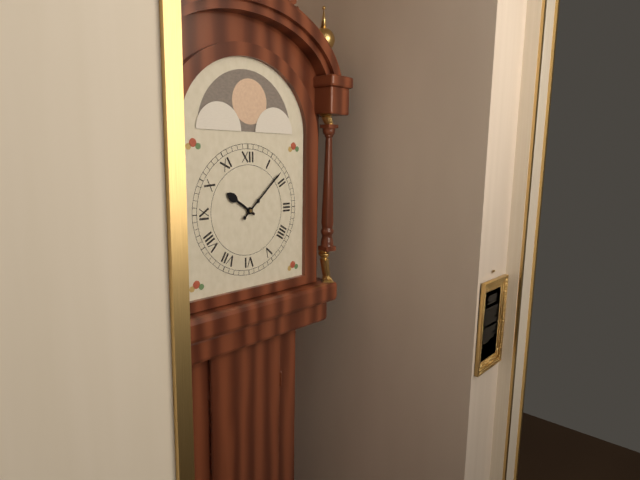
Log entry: **10:08**
